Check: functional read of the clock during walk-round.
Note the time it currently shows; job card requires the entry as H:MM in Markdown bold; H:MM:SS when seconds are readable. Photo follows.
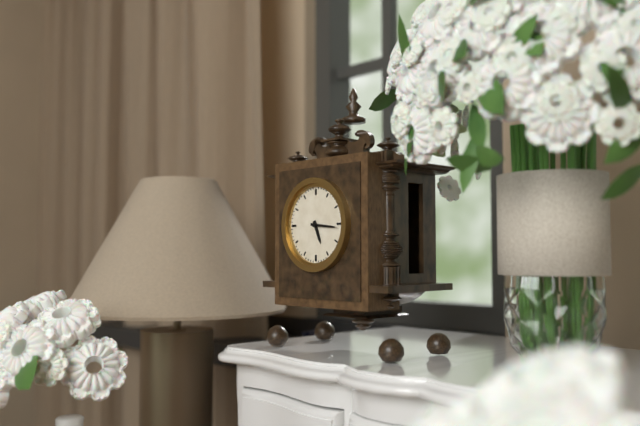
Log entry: **5:16**
